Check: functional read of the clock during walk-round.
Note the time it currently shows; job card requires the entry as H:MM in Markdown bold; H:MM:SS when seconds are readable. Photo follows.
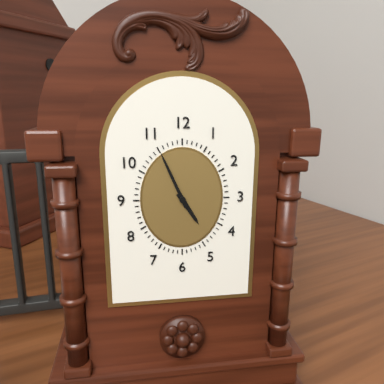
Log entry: **4:56**
